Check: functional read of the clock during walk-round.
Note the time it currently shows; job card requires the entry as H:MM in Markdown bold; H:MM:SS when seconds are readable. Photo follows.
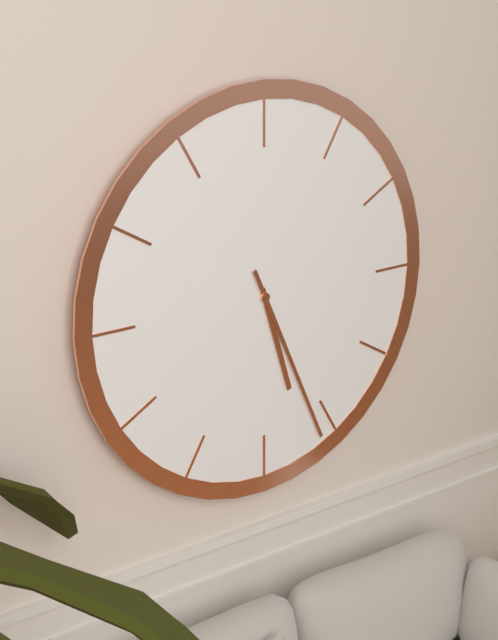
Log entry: **5:26**
